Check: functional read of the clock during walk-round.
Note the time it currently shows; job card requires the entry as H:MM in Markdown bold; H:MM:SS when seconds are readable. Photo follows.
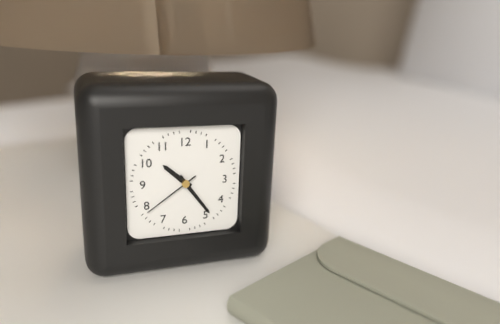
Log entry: **10:24:39**
